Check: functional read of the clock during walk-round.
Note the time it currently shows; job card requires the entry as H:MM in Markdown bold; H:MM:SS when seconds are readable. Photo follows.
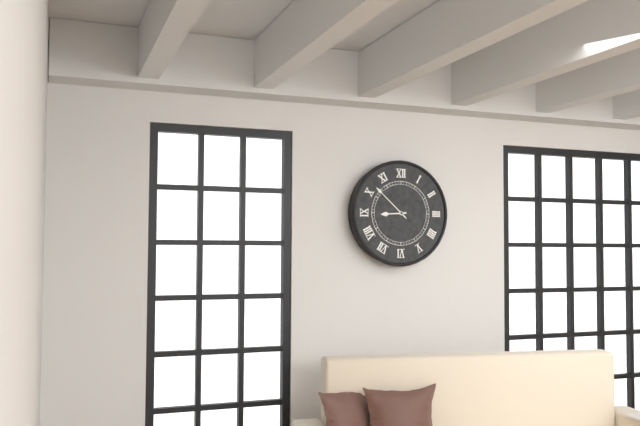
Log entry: **8:52**
